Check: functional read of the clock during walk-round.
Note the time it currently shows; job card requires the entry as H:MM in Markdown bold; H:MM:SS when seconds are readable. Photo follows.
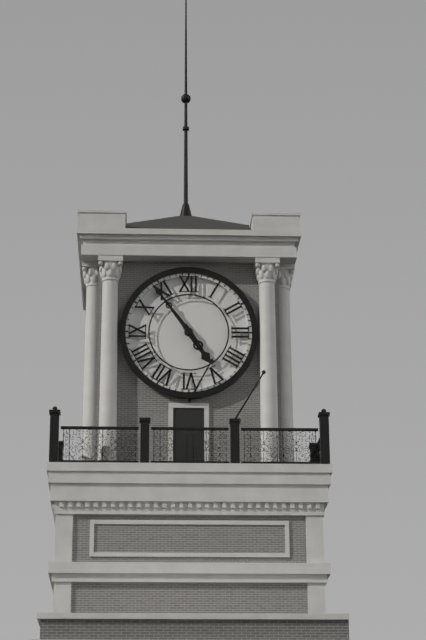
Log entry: **4:54**
